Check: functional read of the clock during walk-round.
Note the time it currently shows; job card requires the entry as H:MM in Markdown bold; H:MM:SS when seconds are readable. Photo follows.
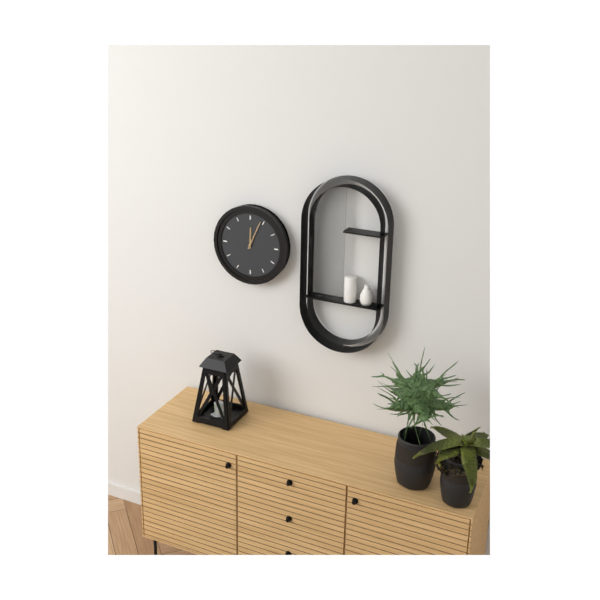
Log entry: **12:04**
